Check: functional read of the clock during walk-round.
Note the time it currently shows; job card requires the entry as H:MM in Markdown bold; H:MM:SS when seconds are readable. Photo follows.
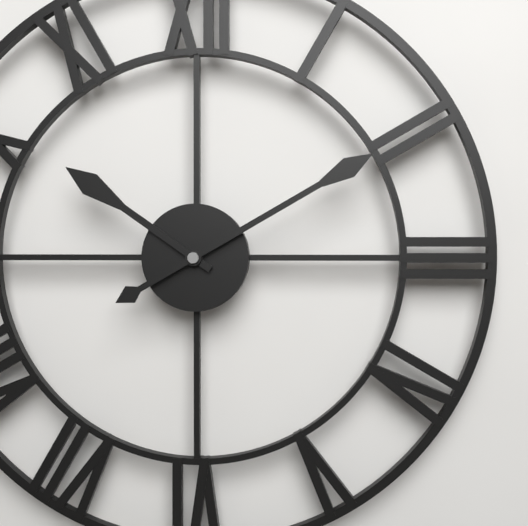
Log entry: **10:10**
